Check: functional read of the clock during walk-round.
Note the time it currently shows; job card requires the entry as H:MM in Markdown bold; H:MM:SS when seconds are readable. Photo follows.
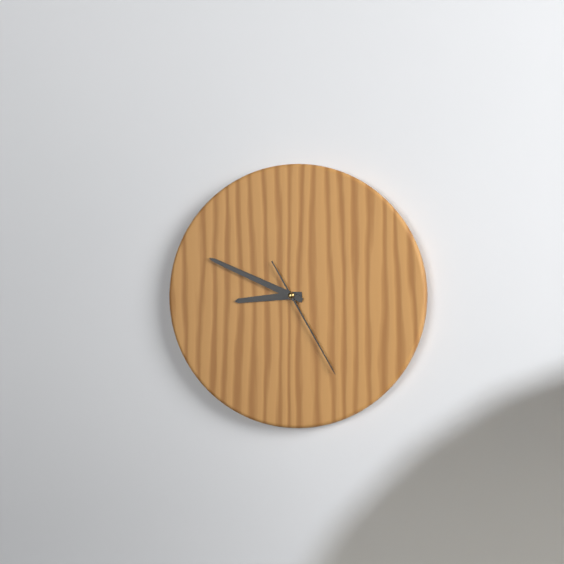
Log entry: **8:49:25**
